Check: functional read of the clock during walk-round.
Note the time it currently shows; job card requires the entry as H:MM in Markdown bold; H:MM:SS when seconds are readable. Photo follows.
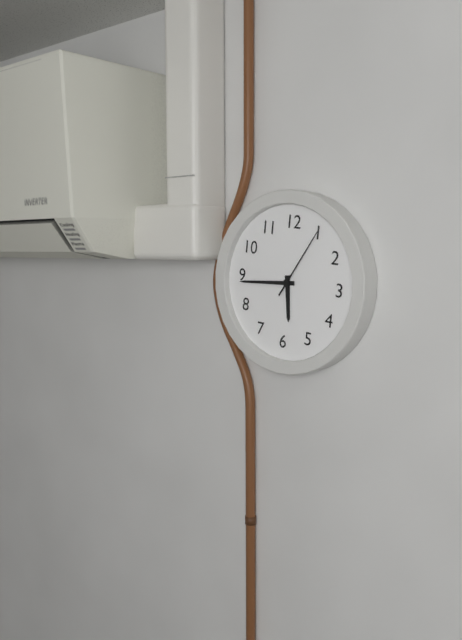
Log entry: **5:44:05**
